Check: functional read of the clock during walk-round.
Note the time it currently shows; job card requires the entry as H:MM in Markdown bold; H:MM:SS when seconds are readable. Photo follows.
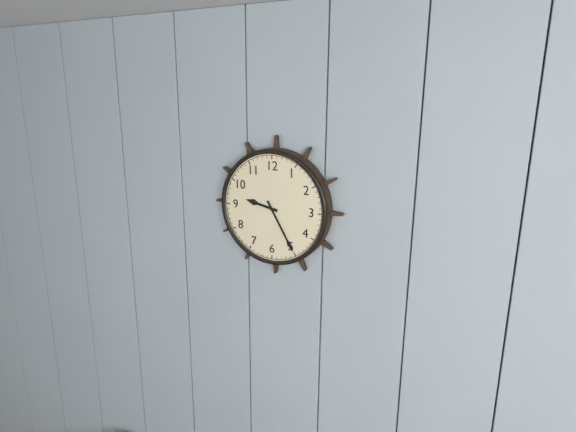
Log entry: **9:25**
